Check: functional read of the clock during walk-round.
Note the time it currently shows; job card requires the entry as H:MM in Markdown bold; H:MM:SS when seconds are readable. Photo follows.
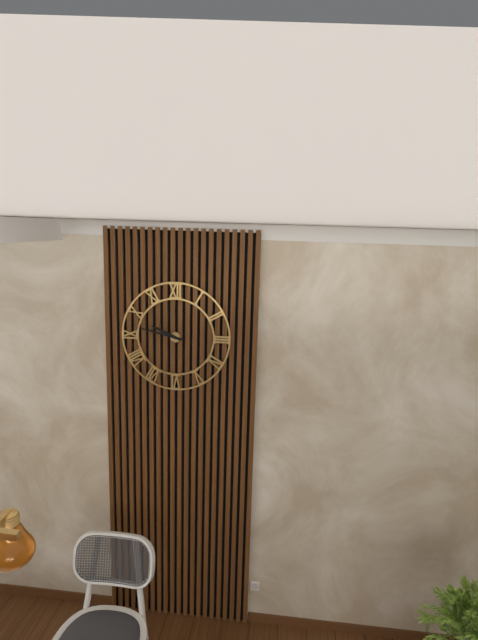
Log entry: **9:47**
